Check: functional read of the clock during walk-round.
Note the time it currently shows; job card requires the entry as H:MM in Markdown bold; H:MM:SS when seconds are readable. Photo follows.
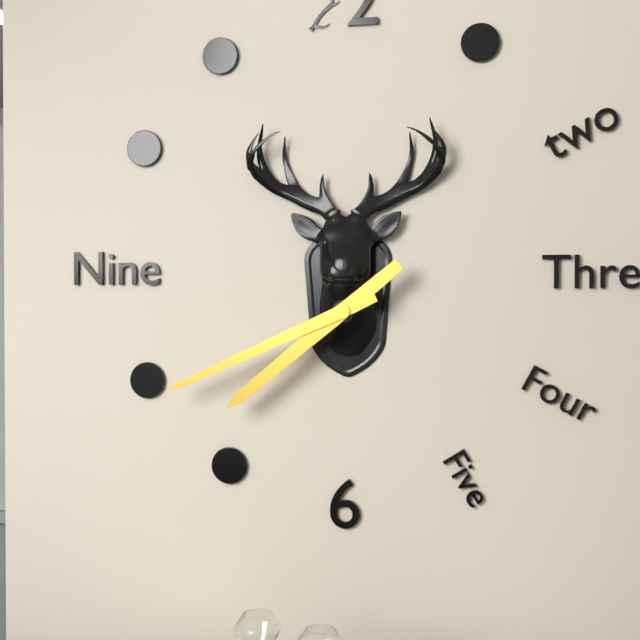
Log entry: **7:41**
